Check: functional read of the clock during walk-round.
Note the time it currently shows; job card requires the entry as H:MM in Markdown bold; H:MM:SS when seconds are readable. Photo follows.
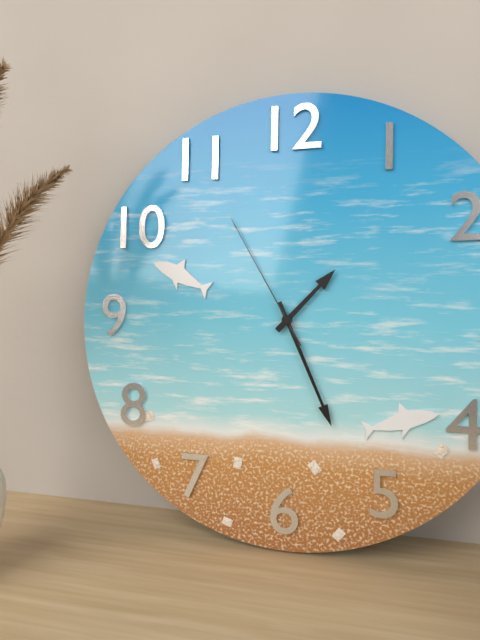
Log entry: **1:26:55**
